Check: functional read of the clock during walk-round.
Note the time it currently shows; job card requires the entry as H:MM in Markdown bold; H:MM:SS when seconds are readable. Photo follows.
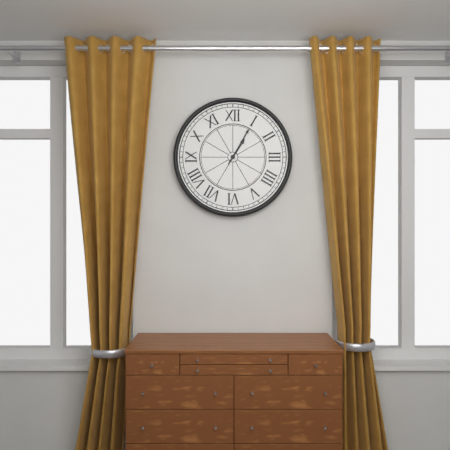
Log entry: **1:05**
